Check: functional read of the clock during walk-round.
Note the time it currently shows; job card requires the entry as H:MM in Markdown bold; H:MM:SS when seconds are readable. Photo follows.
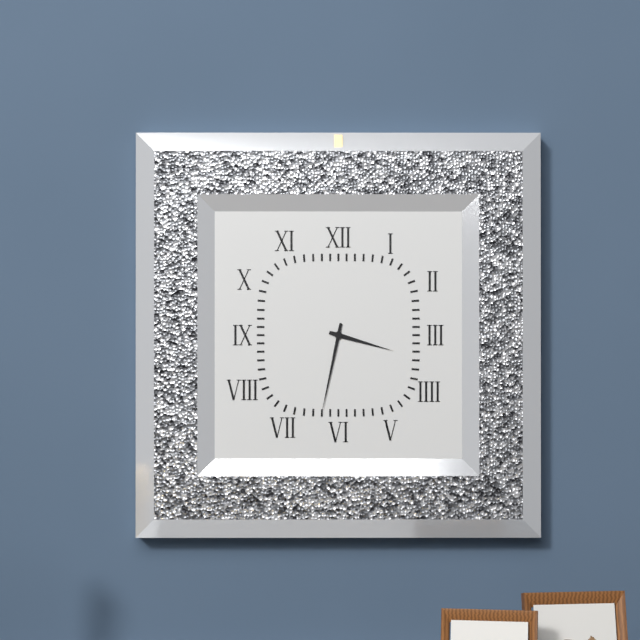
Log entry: **3:32**
